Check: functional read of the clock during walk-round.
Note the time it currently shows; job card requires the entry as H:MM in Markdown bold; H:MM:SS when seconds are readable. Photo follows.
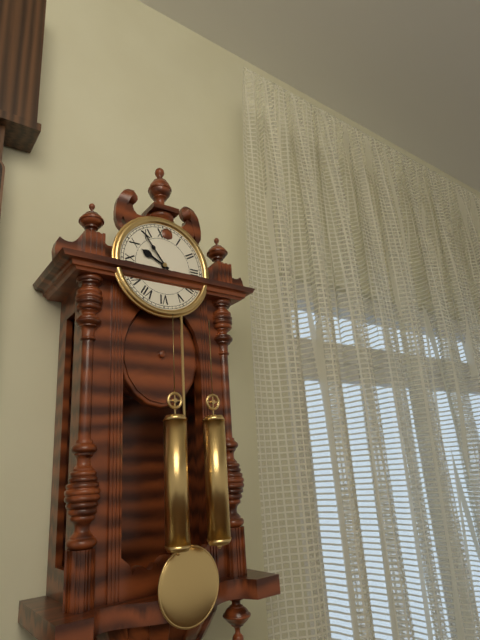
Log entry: **9:54**
